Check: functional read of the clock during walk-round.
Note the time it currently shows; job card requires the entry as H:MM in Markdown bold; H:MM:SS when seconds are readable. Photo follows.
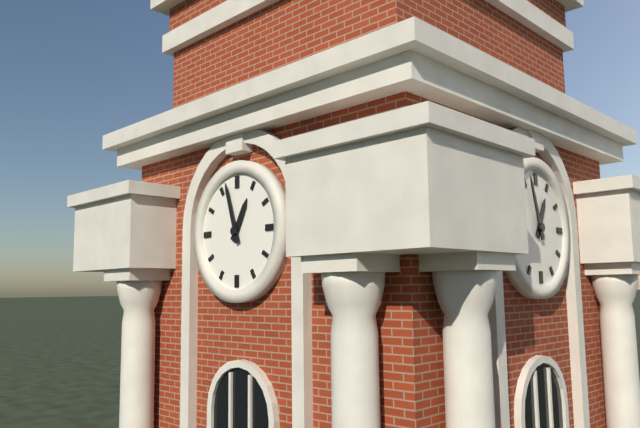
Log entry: **12:57**
